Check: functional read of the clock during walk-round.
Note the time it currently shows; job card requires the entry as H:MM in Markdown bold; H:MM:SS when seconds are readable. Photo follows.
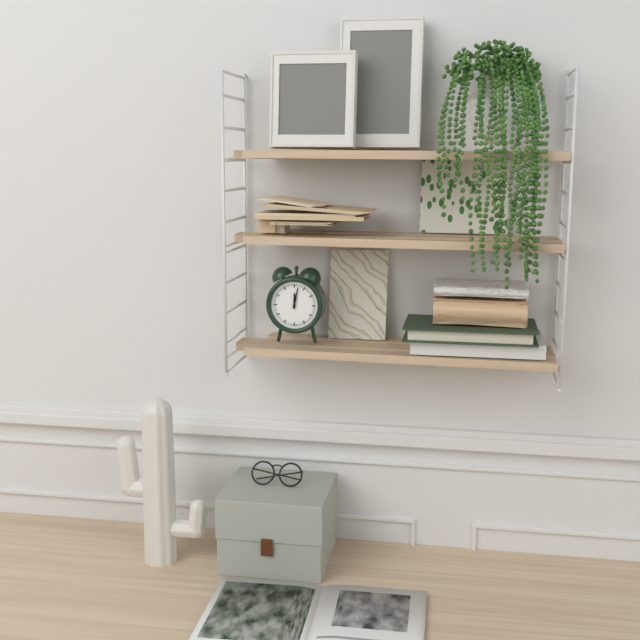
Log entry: **12:02**
